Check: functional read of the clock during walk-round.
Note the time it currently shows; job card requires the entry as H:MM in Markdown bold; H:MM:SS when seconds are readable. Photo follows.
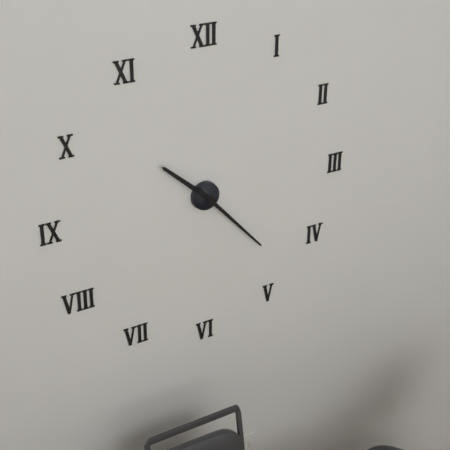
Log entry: **10:23**
